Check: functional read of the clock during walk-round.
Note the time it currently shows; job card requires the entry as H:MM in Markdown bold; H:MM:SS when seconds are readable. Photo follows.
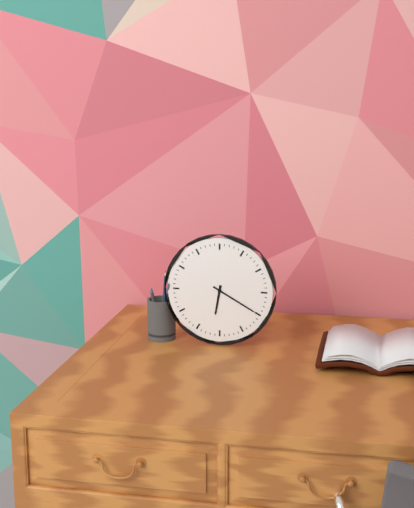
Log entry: **6:20**
